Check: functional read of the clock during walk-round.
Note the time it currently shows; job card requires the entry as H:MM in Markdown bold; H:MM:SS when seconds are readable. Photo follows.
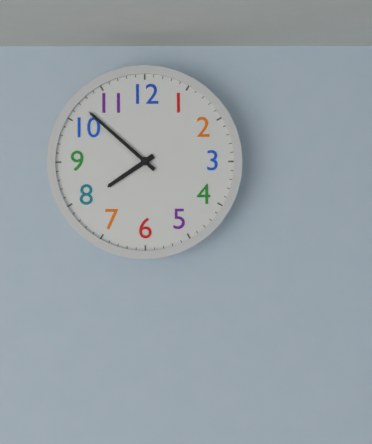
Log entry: **7:52**
